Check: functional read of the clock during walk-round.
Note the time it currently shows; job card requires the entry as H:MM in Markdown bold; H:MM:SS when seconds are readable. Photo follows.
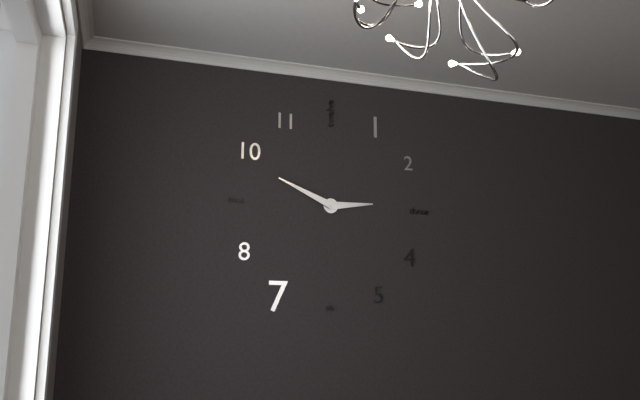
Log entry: **2:49**
